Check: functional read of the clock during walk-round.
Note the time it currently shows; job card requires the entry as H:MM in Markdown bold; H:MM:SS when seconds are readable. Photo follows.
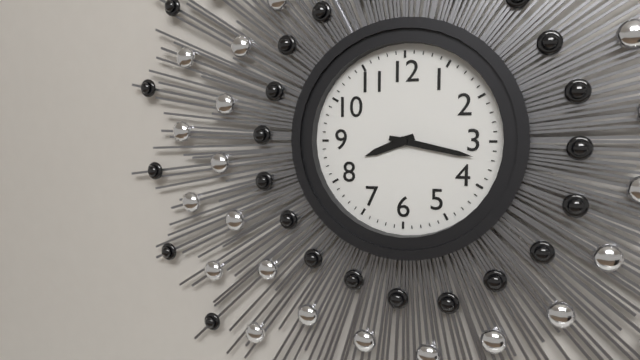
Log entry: **8:17**
